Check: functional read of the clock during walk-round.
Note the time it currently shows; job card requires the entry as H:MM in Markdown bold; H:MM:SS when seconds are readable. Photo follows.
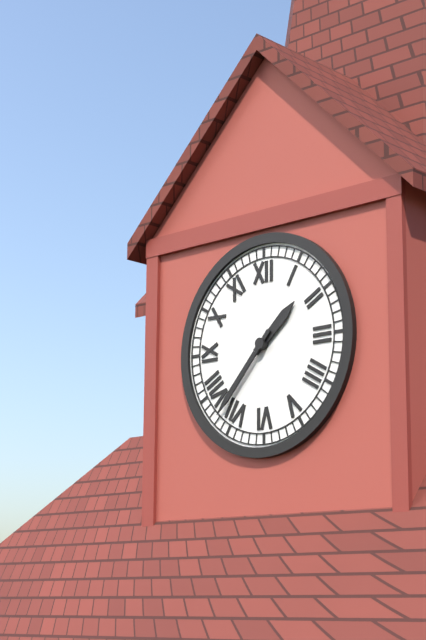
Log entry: **1:37**
